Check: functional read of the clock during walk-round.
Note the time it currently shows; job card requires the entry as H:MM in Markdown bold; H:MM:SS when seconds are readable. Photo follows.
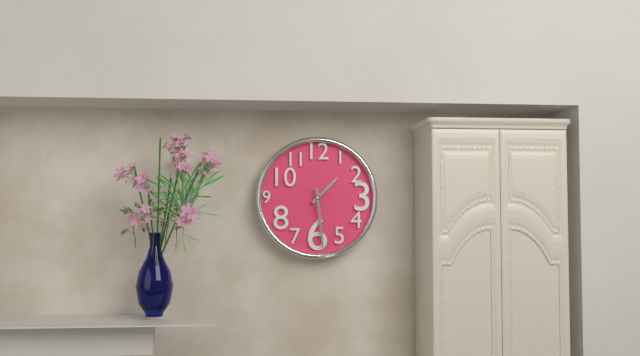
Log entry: **1:29**
